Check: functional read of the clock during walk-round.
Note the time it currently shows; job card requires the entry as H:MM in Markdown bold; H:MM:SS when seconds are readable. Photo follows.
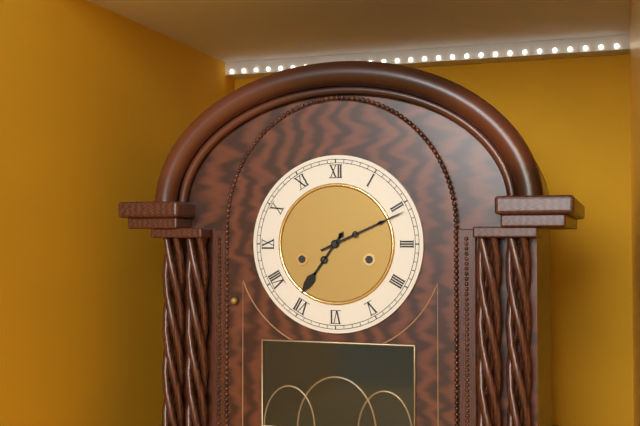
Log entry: **7:11**
